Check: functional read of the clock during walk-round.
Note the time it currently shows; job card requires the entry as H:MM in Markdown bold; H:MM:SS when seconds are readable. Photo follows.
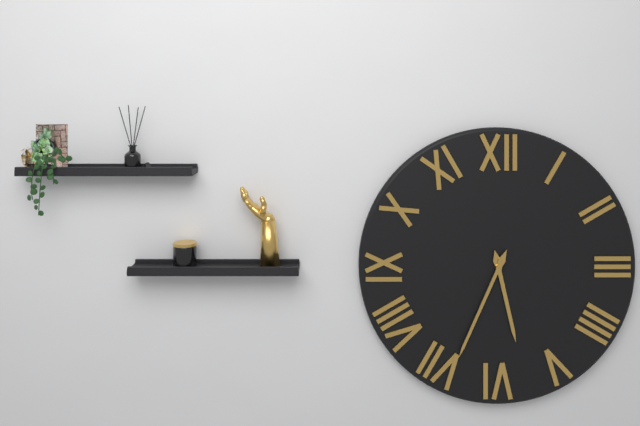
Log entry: **5:34**
